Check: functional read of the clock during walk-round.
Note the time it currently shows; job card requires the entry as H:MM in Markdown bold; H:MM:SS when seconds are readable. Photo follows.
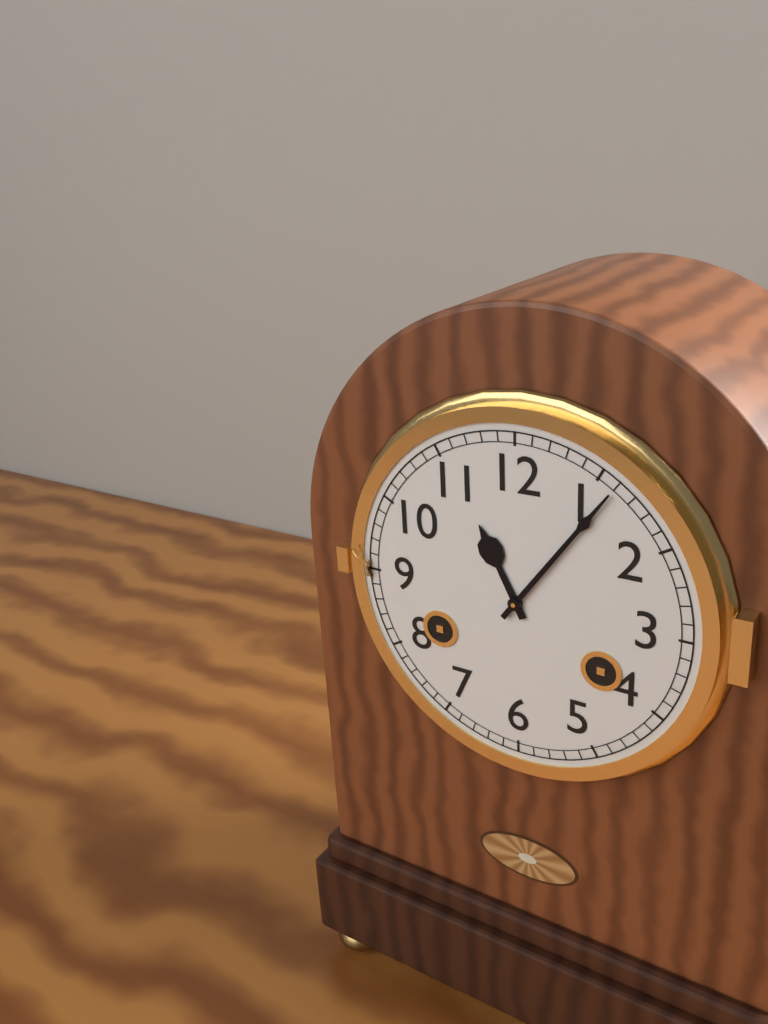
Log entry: **11:06**
